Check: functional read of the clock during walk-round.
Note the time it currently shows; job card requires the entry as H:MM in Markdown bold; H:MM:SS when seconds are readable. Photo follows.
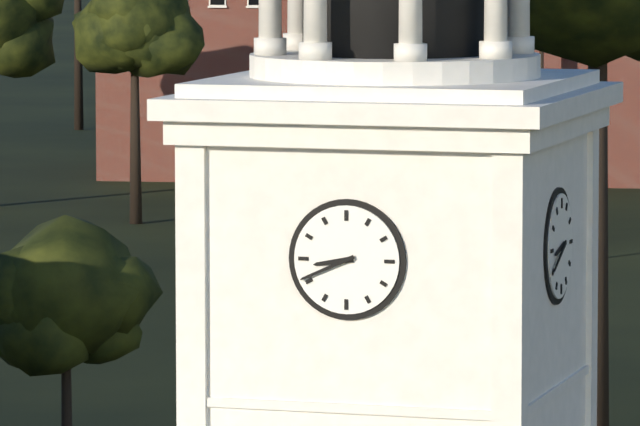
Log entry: **8:41**
